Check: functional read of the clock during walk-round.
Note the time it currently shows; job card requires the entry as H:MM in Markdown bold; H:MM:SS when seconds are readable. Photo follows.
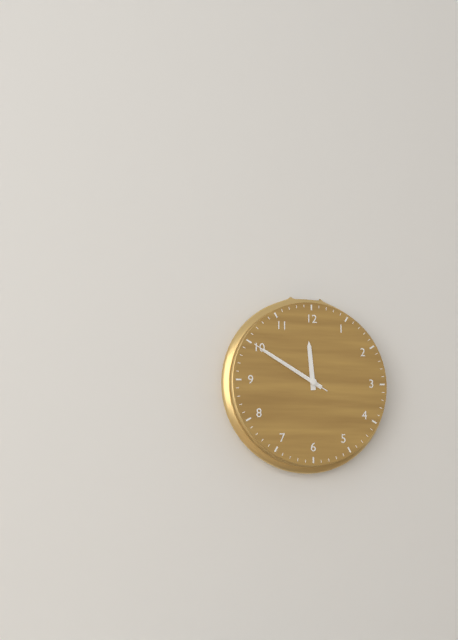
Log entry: **11:50:50**
